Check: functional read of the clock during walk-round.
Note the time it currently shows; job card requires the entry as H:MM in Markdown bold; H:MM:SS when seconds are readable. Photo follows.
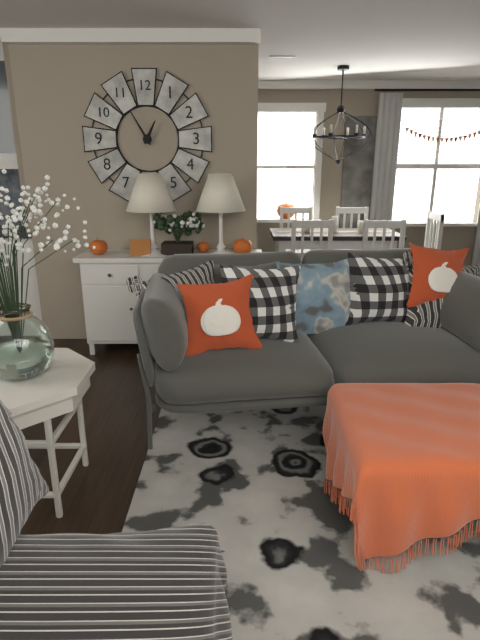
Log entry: **12:55**
